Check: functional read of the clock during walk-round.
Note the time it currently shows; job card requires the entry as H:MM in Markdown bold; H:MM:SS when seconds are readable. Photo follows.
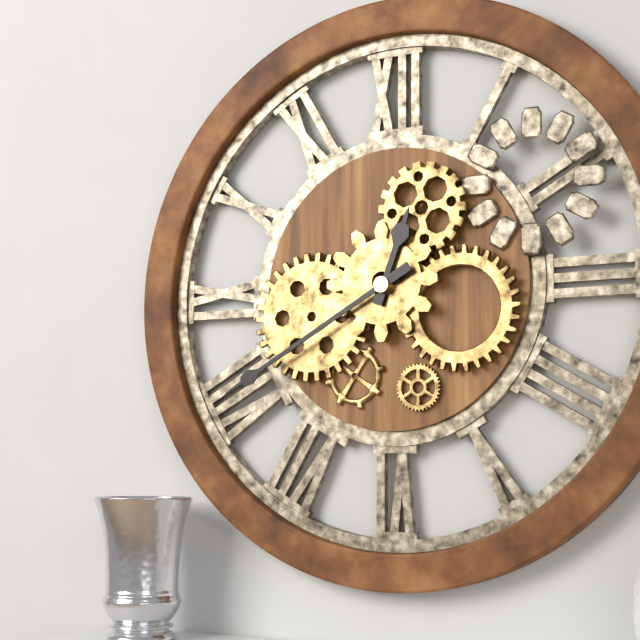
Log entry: **12:40**
